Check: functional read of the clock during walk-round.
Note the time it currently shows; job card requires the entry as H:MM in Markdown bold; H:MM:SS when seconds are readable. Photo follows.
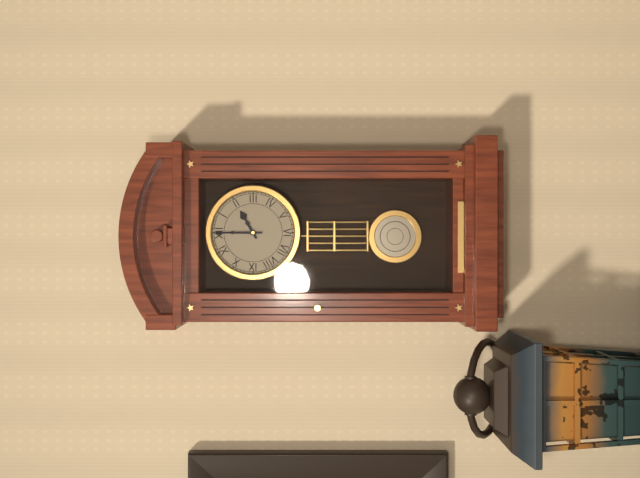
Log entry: **2:00**
